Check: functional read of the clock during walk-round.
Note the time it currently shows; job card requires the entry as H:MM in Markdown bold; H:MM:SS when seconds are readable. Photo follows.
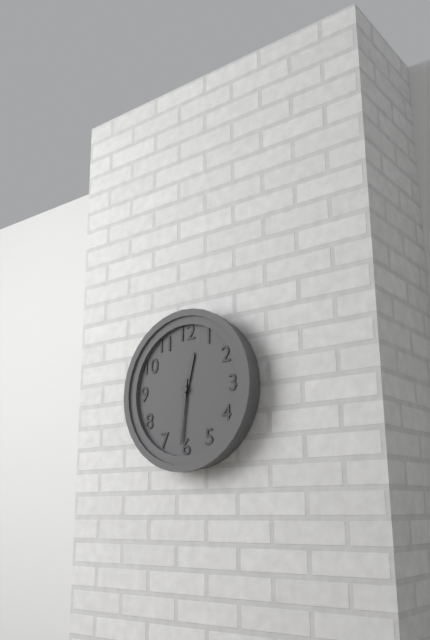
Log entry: **12:31**
